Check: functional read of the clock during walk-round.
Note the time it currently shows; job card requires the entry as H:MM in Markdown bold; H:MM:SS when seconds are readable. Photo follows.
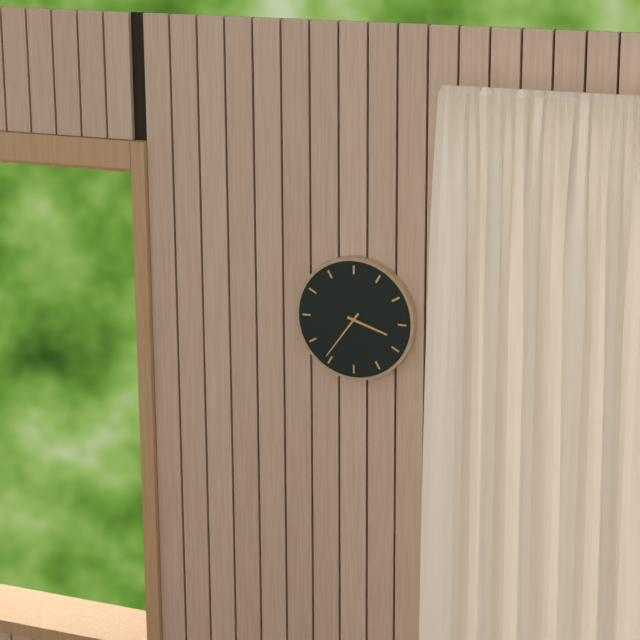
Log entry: **3:36**
